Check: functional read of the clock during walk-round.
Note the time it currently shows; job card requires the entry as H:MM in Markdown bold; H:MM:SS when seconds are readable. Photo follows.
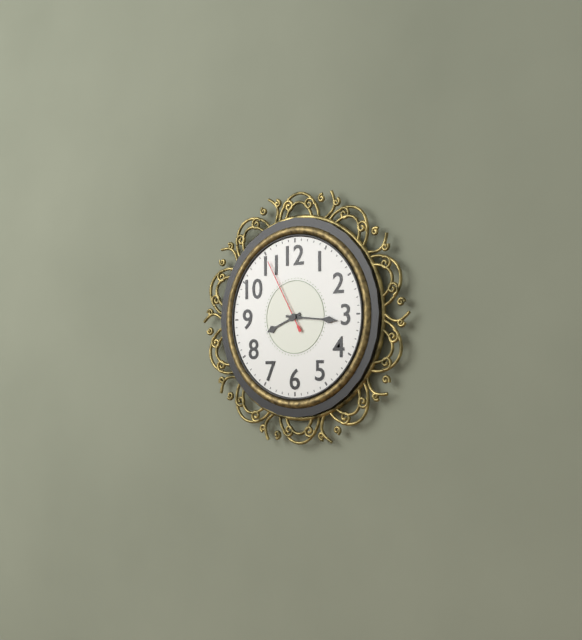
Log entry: **8:16:55**
